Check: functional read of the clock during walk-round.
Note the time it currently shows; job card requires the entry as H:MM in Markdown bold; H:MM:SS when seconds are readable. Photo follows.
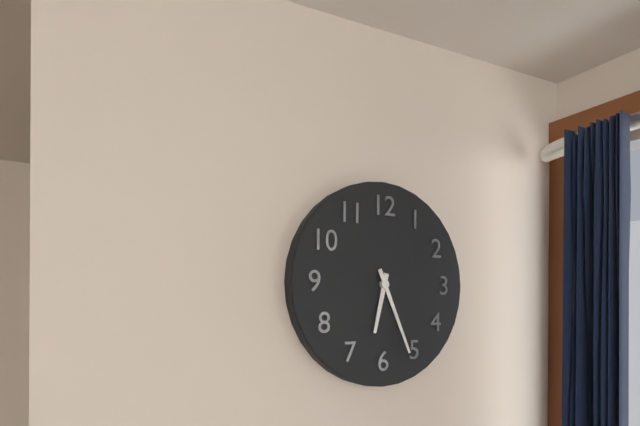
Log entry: **6:26**
